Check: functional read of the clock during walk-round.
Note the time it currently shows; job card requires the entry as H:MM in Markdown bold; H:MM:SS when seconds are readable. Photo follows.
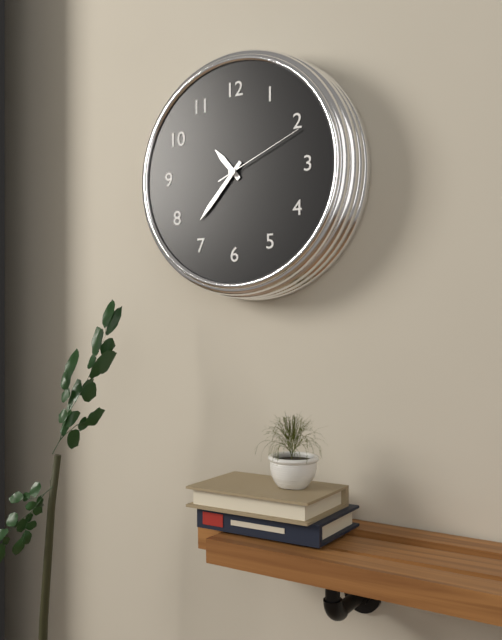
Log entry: **10:37:11**
